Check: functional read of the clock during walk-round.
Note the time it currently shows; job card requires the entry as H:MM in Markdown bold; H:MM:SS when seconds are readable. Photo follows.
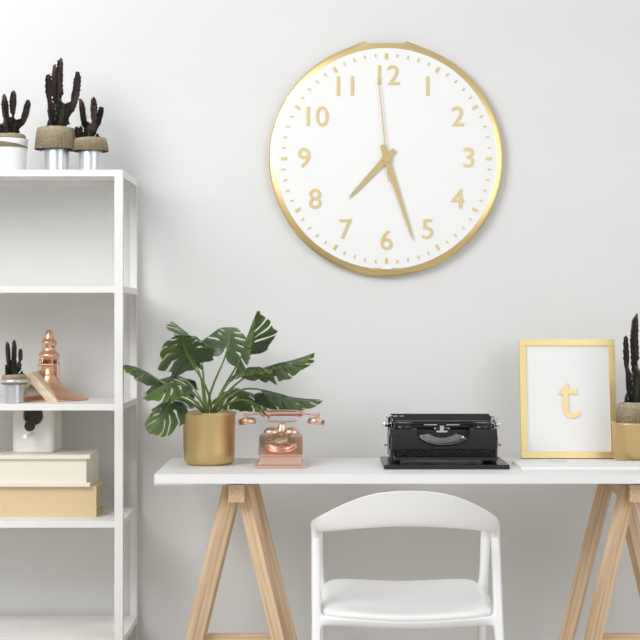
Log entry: **7:27:59**
